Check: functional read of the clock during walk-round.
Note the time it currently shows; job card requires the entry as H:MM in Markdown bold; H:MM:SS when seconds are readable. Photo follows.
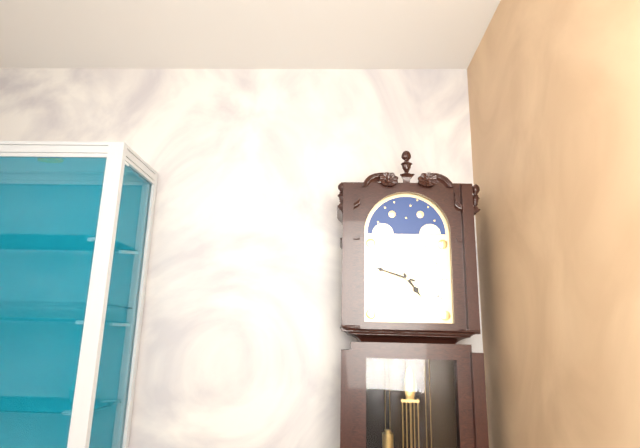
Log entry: **4:48**
